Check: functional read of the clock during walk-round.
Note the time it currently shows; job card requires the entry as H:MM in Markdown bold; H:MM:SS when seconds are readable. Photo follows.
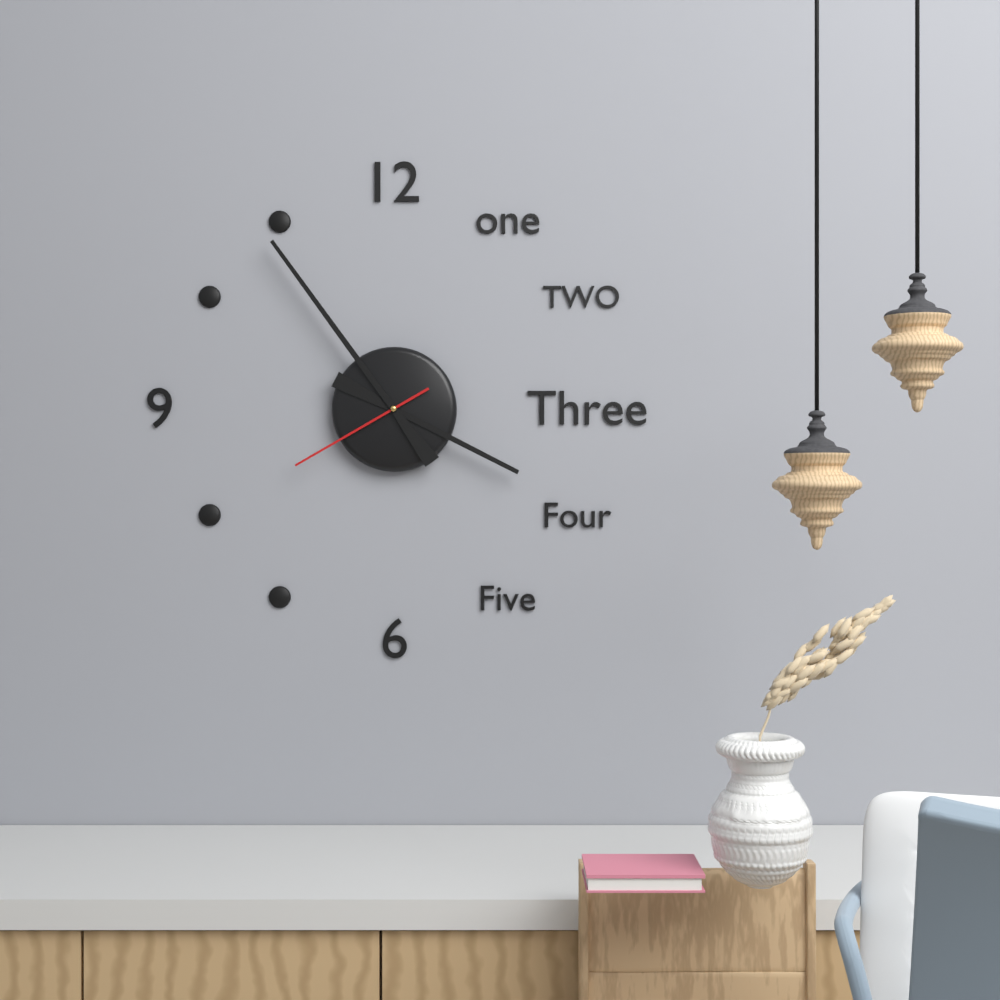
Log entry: **3:54:40**
